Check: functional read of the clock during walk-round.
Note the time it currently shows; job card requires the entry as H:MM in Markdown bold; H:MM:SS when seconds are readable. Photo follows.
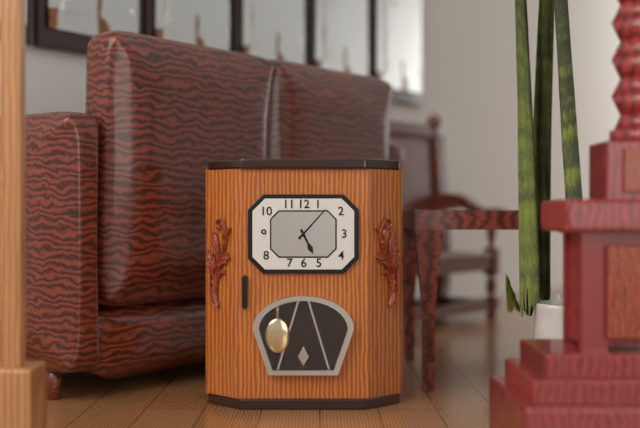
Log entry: **5:07**
